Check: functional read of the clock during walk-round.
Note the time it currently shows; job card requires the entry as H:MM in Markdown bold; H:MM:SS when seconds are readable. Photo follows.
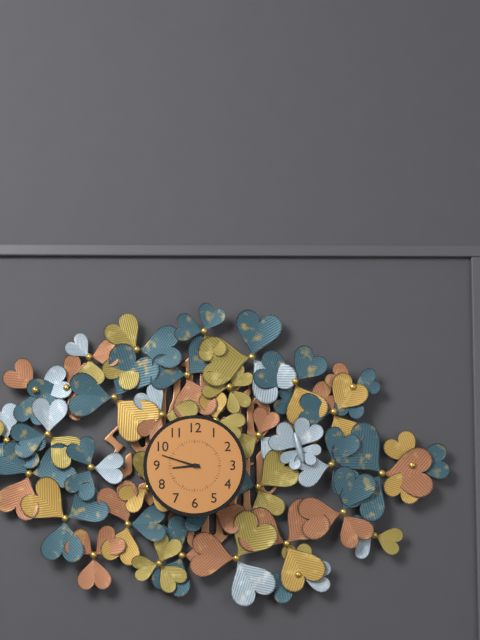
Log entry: **8:48**
